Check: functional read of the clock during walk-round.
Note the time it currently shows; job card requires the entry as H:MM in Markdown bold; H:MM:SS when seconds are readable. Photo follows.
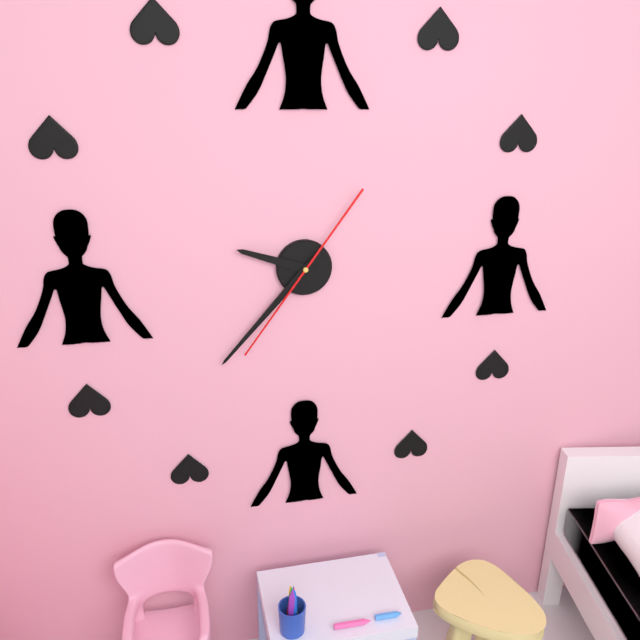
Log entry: **9:37:36**
